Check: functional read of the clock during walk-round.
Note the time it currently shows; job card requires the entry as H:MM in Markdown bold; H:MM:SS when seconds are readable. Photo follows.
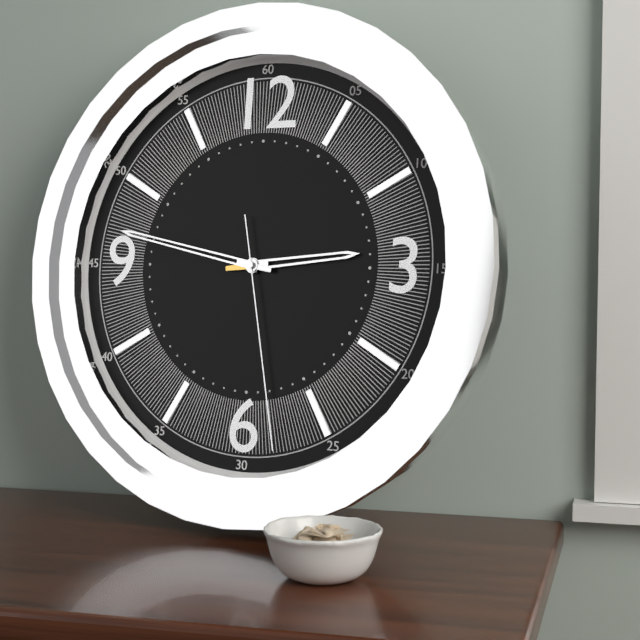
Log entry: **2:47:28**
